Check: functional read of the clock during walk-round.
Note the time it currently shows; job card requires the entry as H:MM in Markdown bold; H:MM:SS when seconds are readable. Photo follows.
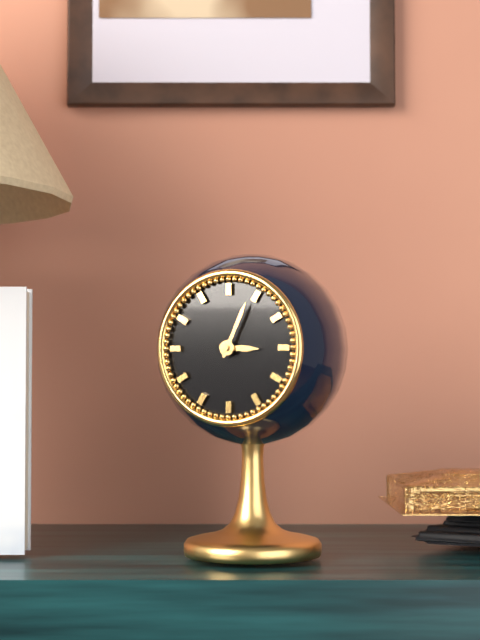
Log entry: **3:04**
